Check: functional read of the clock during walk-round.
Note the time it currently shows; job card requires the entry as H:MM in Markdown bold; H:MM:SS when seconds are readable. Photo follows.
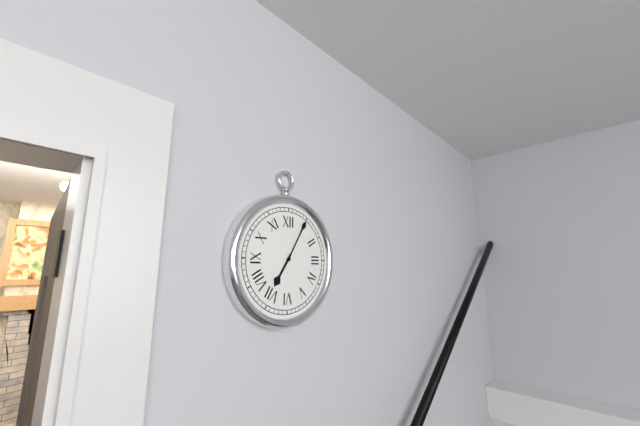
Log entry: **7:05**
